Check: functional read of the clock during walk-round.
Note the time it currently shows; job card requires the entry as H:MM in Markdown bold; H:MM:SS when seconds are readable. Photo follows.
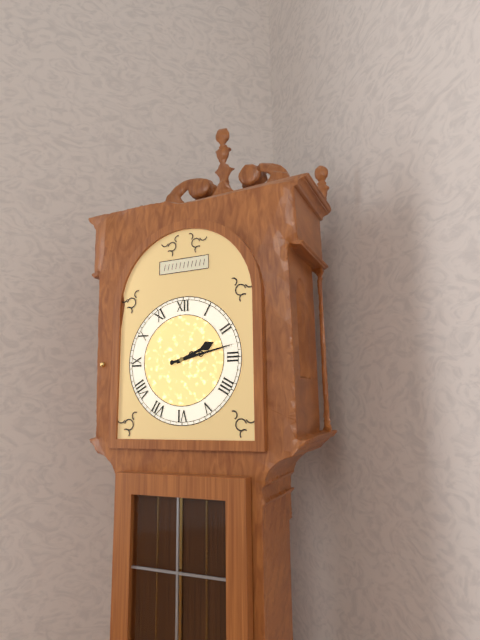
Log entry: **2:13**
